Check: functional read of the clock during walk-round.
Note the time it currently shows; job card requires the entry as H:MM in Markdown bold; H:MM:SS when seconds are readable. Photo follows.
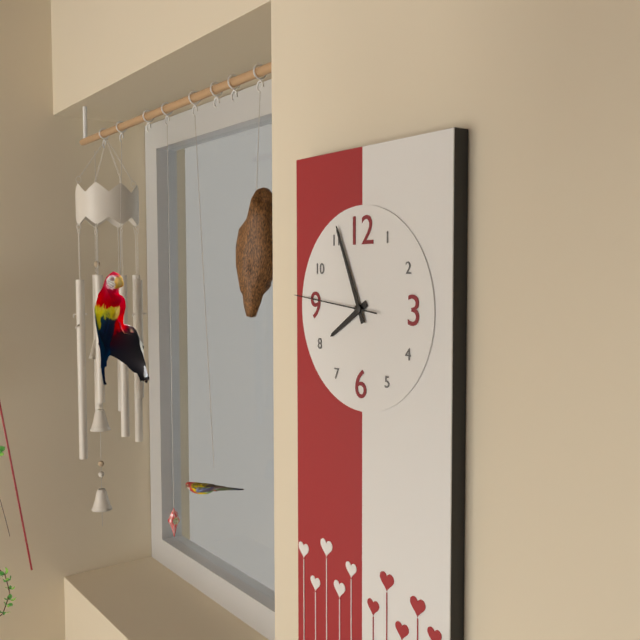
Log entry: **7:56:46**
